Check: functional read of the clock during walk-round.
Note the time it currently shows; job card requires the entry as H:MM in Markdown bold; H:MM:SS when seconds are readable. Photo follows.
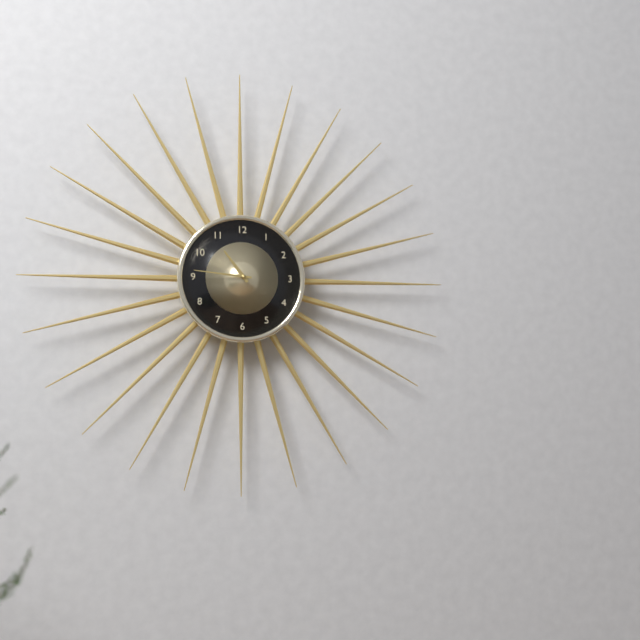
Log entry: **10:46**
